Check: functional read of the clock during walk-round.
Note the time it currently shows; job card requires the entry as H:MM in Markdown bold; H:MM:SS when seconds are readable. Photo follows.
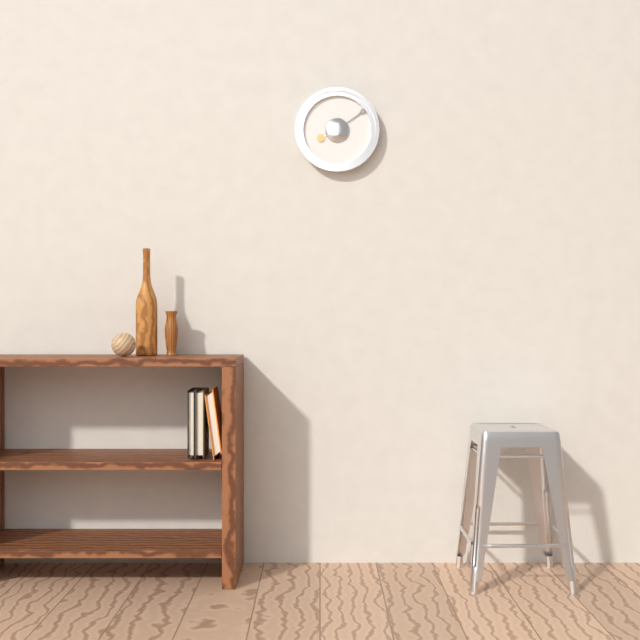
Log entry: **8:09**
